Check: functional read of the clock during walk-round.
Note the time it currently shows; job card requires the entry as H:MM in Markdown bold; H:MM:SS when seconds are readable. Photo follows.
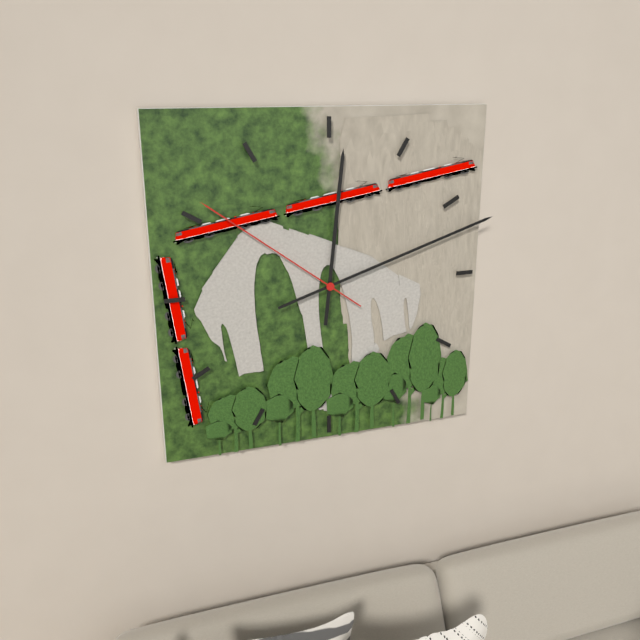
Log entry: **12:12:51**
